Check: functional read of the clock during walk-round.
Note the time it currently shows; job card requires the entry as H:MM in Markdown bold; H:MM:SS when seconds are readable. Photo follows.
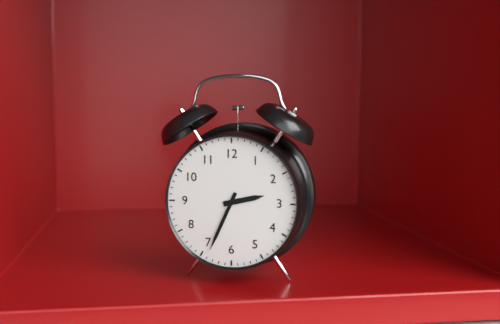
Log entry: **2:34**
